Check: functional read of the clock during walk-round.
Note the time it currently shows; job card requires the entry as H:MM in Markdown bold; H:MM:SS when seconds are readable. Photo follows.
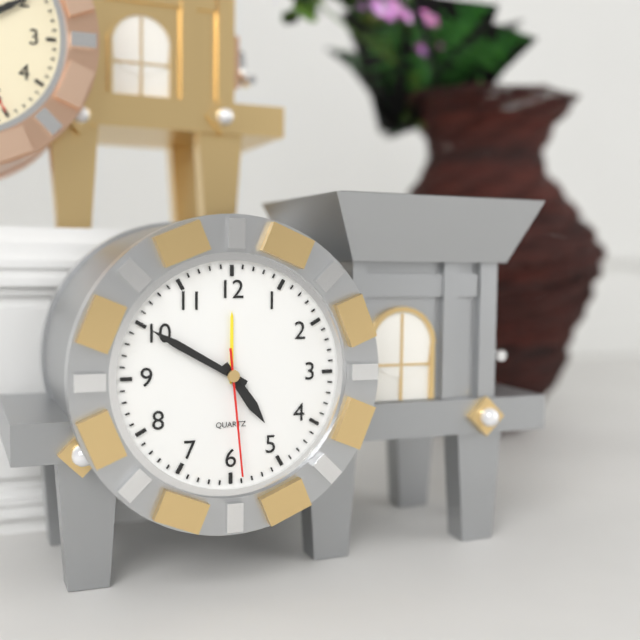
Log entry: **4:50:29**
